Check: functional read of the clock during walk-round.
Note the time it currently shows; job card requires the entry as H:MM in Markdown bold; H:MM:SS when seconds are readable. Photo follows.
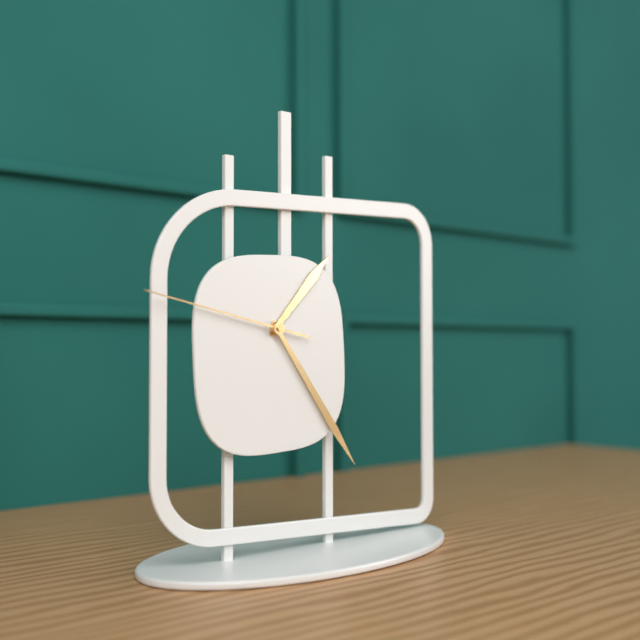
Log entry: **1:24:47**
